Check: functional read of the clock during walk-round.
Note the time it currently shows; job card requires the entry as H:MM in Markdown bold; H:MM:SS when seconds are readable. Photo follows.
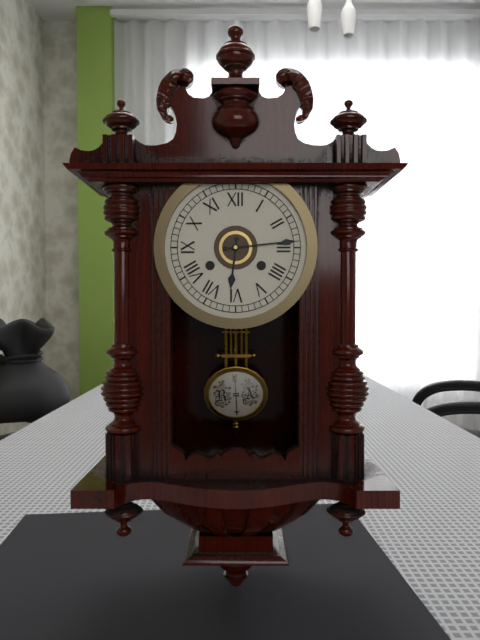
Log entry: **6:14**
